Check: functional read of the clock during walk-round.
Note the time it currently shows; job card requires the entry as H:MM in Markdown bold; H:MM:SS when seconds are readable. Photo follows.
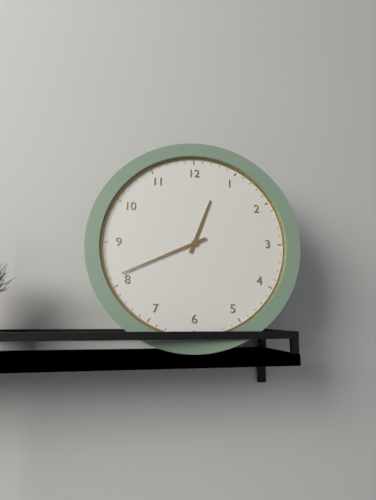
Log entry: **12:41**
